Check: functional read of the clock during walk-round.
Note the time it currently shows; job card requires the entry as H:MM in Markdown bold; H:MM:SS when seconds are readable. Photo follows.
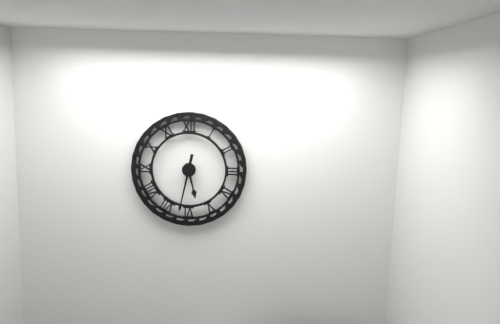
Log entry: **5:32**
